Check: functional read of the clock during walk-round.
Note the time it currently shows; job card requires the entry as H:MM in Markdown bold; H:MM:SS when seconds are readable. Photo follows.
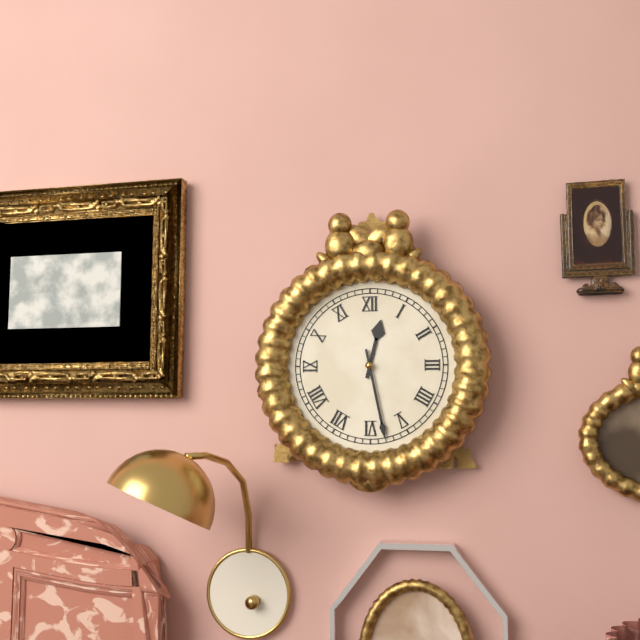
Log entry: **12:28**
